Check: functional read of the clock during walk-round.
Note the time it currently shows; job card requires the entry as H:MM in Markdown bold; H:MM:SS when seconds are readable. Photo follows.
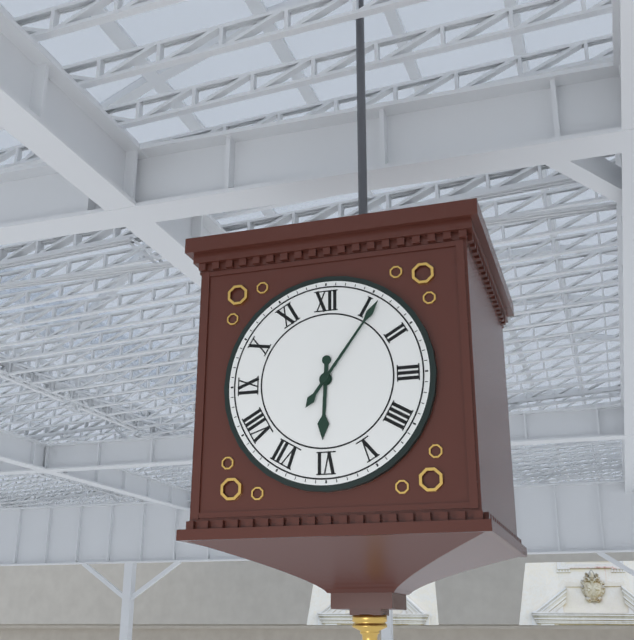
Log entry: **6:06**
